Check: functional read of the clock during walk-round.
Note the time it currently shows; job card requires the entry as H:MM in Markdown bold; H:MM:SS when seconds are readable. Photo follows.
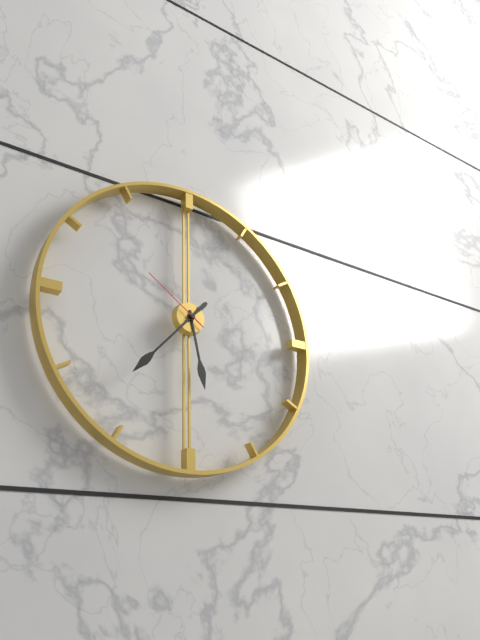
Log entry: **5:37:51**
